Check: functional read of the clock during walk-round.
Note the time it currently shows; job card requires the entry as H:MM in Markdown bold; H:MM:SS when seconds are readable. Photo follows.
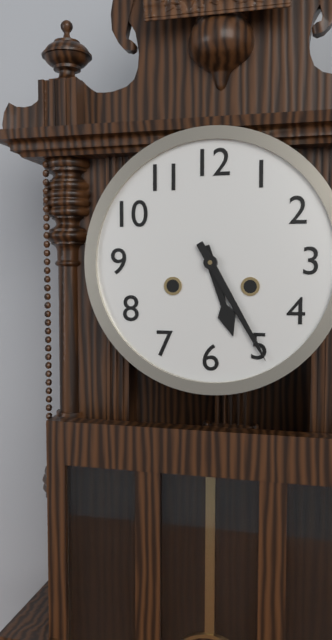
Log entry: **5:25**
